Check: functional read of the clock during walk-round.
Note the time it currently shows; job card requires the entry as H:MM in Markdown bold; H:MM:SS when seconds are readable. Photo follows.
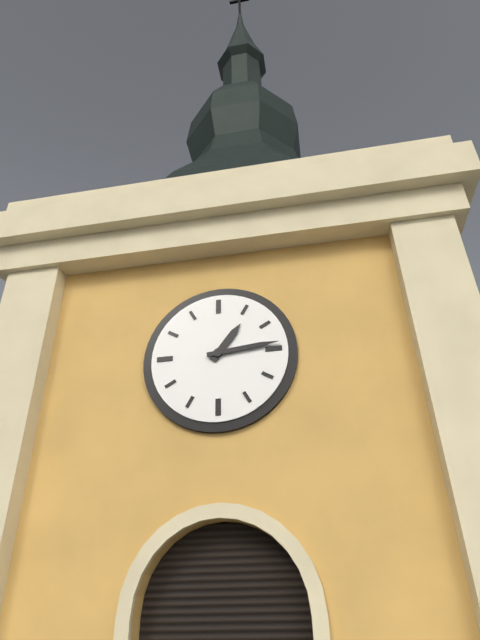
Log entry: **1:14**
